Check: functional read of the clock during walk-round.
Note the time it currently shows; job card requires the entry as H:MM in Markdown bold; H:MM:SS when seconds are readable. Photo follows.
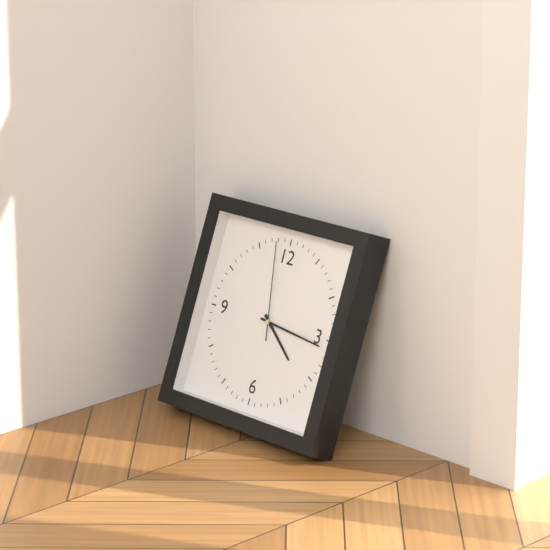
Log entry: **4:16:58**
